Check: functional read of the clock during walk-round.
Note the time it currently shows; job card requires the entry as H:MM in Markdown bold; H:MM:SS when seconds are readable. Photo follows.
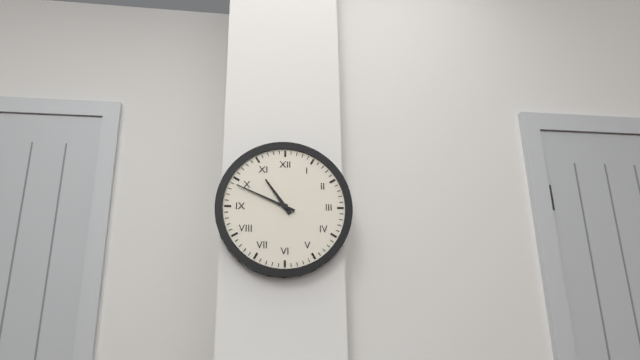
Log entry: **10:49**
